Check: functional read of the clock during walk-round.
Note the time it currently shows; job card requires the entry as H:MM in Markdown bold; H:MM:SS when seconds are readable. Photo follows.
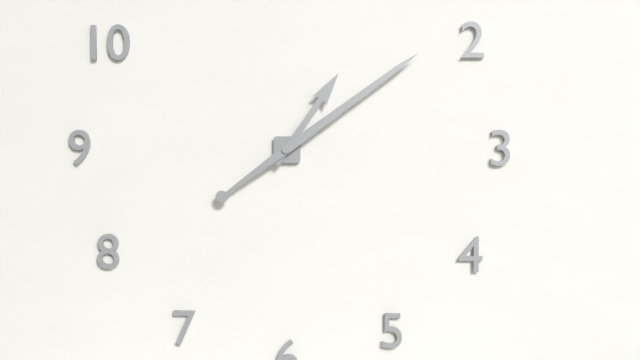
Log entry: **1:09**
